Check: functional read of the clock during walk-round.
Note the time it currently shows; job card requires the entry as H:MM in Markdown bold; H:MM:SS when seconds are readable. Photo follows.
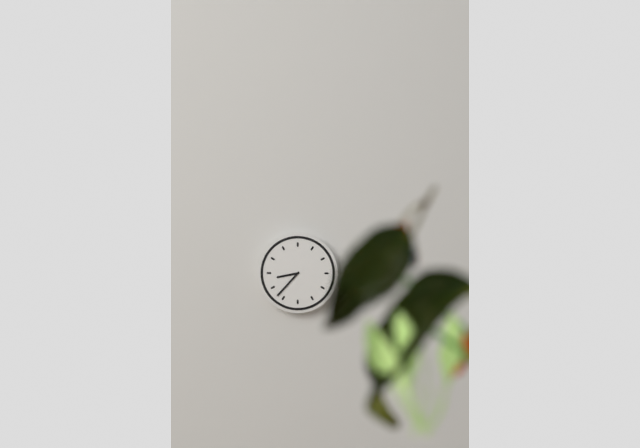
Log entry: **8:37**
